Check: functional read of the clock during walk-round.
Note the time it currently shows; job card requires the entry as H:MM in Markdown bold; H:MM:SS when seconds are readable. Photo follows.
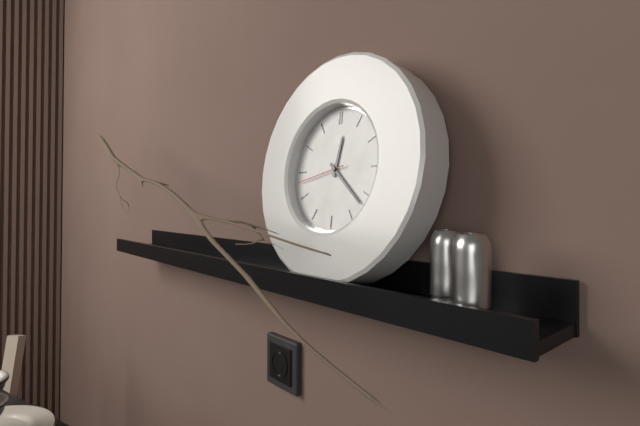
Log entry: **12:22**
